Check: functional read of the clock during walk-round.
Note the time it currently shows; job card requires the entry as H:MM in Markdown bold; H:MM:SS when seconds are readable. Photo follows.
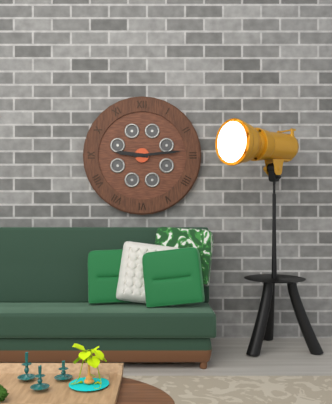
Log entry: **9:14**
